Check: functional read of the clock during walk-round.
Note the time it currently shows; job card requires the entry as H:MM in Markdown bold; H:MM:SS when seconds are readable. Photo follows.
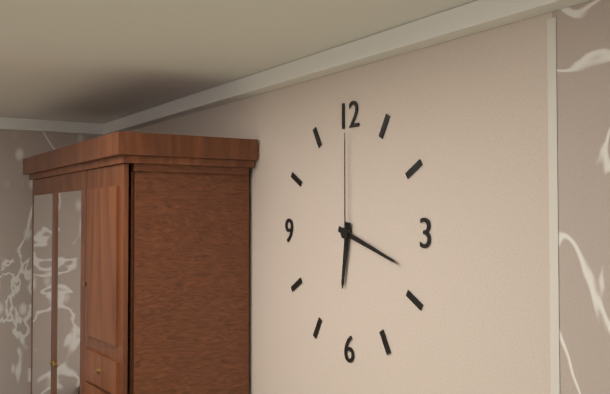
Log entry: **6:18:00**
